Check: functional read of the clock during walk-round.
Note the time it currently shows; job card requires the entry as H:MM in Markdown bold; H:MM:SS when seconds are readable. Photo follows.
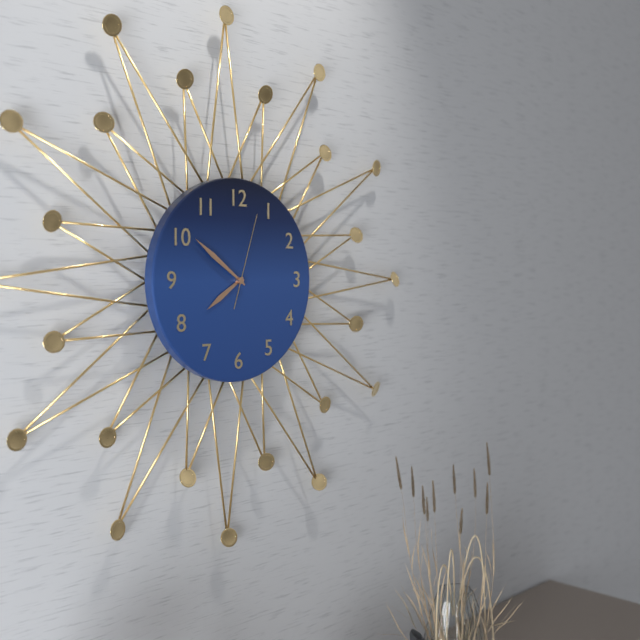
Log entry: **7:51:03**
